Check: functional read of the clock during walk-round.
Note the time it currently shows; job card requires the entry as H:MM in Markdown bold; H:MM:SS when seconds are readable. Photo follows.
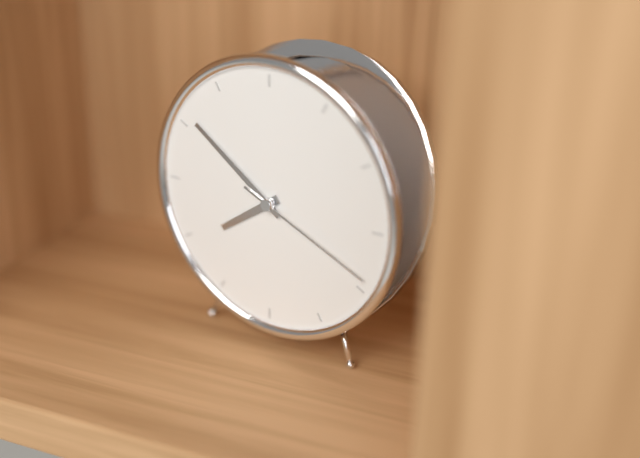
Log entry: **7:51:19**
